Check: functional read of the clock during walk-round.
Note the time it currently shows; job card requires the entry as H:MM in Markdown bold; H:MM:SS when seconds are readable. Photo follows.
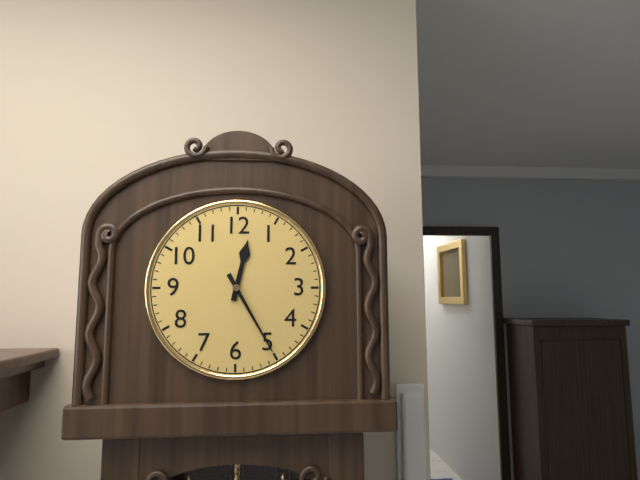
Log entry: **12:25**
